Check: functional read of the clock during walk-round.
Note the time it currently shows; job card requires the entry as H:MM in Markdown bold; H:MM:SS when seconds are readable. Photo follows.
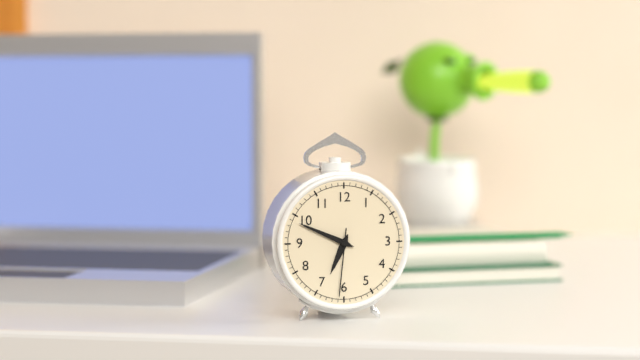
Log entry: **6:49:31**
